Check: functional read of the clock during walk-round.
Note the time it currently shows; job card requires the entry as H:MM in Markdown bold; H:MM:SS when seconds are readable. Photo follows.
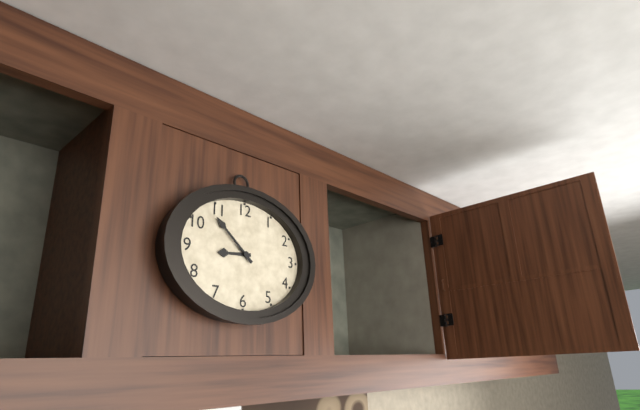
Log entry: **8:52**
